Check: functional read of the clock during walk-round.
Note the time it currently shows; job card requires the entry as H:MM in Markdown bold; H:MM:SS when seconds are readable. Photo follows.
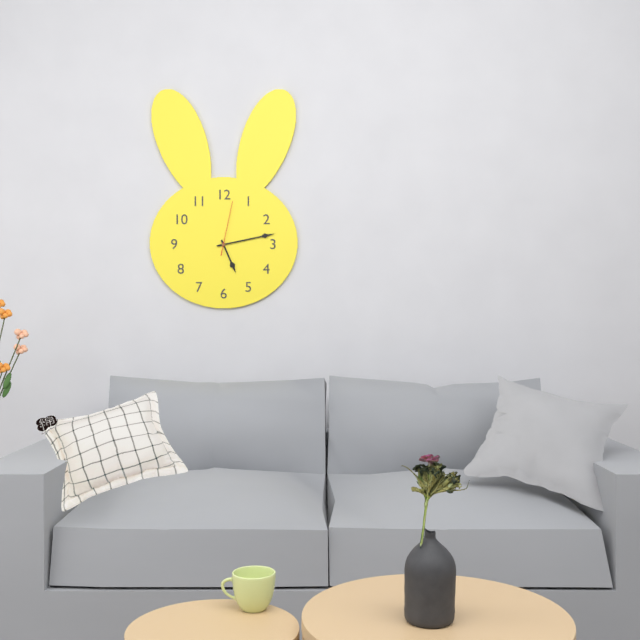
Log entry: **5:13:02**
